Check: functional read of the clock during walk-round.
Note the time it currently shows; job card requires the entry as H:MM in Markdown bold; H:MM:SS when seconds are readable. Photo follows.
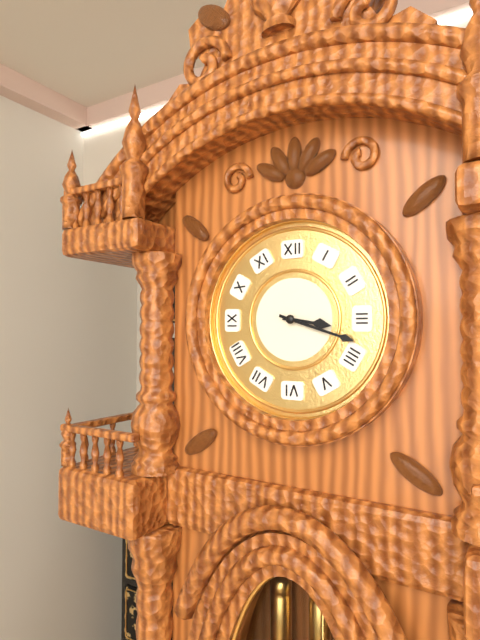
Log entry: **3:18**
